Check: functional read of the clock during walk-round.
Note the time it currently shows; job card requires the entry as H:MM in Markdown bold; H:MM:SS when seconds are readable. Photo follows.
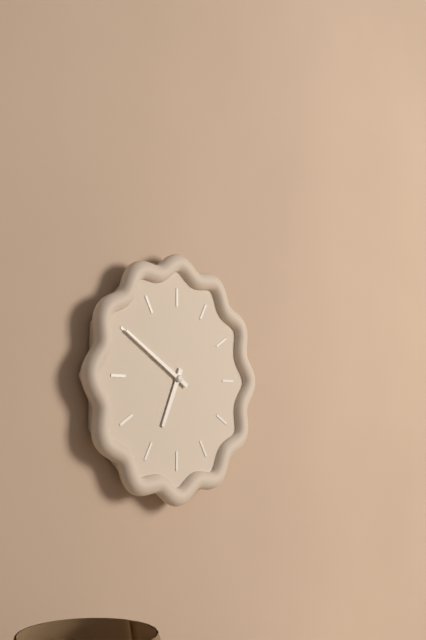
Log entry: **6:50**
